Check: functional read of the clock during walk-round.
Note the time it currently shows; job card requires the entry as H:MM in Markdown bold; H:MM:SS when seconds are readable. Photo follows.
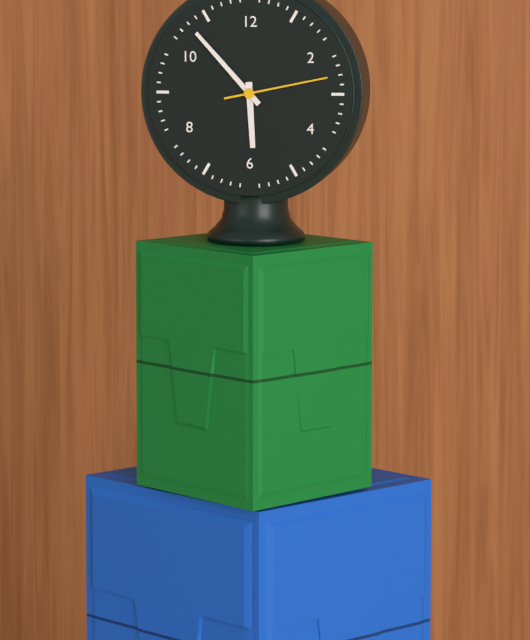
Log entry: **5:53:13**
